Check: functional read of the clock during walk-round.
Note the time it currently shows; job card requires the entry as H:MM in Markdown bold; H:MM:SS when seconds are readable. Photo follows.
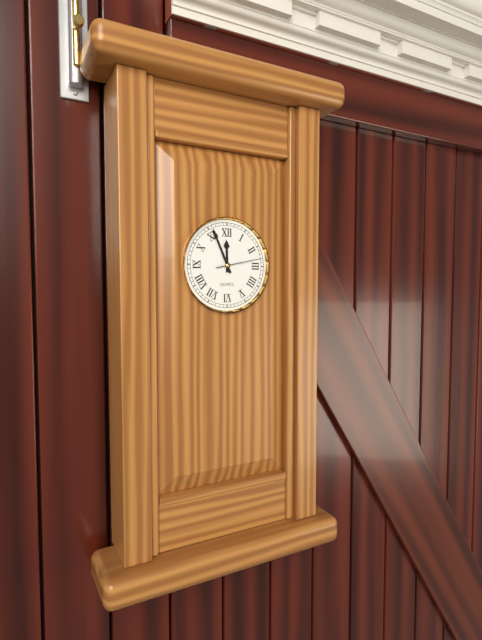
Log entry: **11:56**
